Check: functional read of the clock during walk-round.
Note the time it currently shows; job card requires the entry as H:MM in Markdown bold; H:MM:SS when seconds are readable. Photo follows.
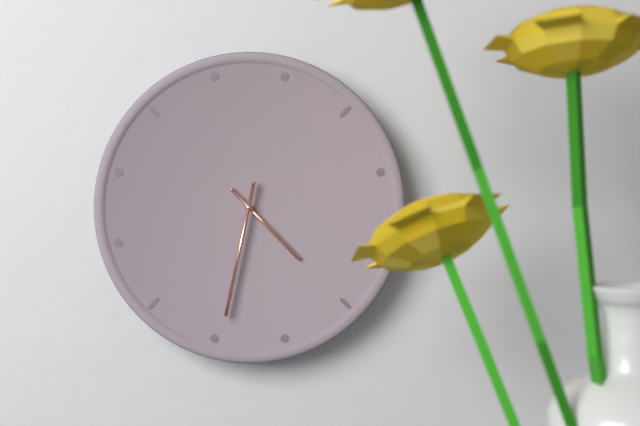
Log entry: **4:32**
